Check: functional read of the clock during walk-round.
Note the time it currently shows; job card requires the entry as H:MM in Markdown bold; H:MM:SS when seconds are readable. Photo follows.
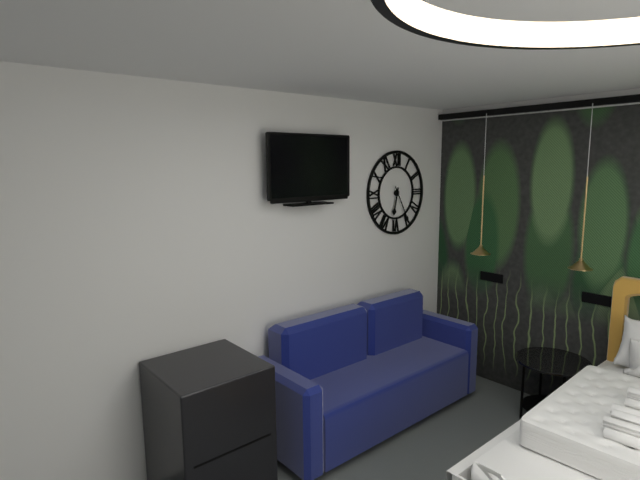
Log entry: **6:25**
